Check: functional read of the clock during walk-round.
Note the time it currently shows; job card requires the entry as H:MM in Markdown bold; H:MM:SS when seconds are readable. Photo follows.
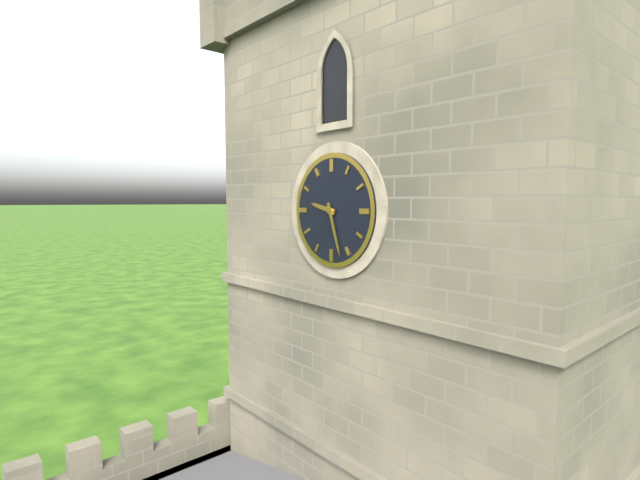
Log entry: **9:27**
